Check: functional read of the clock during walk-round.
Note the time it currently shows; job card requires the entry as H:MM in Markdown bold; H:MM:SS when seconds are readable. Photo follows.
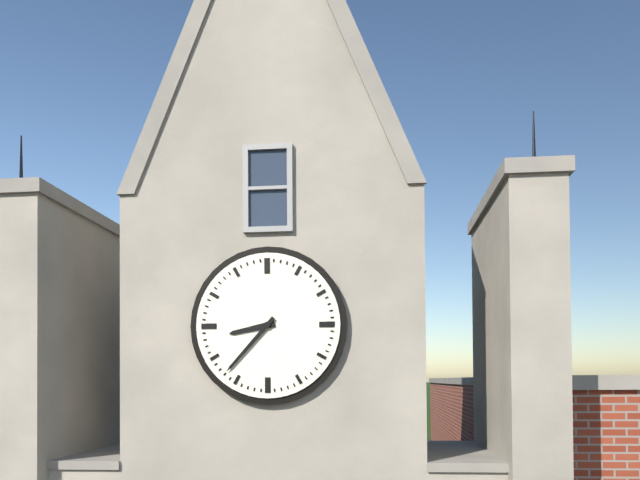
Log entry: **8:37**
